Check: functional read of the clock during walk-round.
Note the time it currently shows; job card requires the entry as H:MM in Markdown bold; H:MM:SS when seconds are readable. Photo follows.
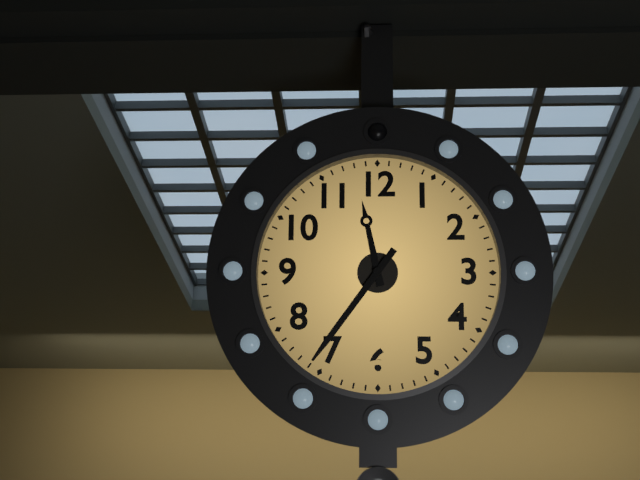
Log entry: **11:36**
